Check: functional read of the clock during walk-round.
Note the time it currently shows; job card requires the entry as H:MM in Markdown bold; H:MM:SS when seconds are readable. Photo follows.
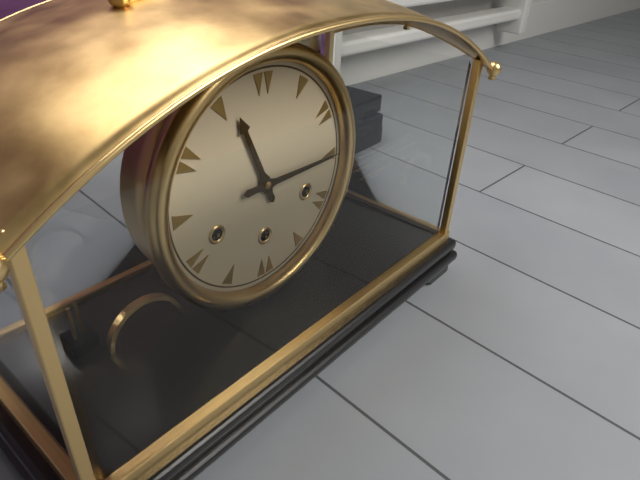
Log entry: **11:15**
